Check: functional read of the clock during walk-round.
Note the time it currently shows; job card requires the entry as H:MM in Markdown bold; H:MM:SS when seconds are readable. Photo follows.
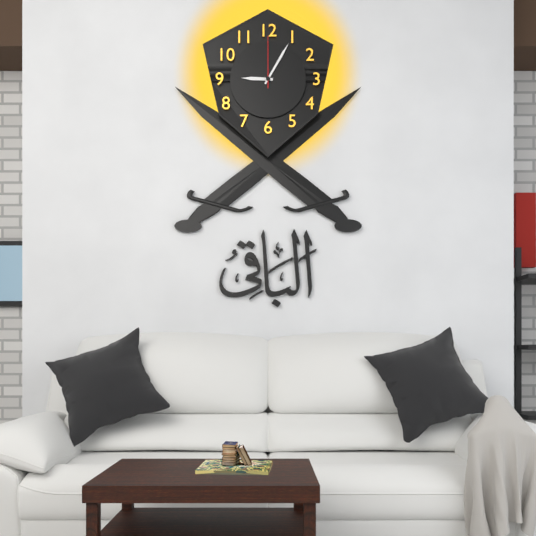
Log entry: **9:05:00**
